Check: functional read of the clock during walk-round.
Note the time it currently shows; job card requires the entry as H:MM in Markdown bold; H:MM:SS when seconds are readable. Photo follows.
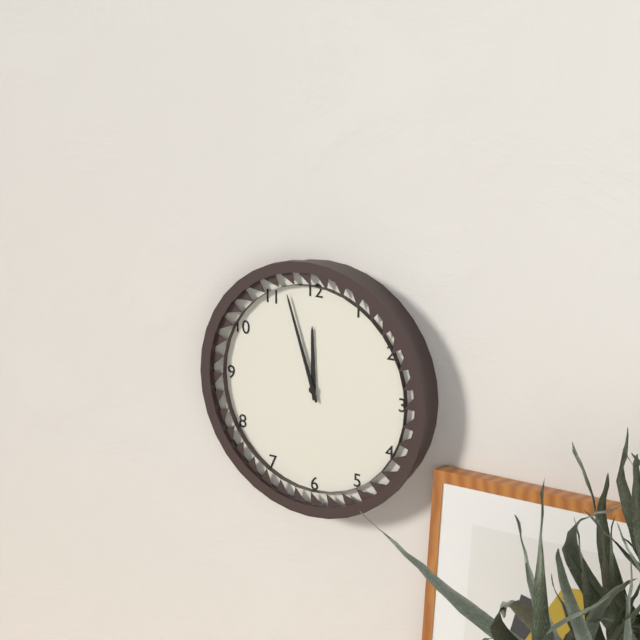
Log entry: **11:57**
